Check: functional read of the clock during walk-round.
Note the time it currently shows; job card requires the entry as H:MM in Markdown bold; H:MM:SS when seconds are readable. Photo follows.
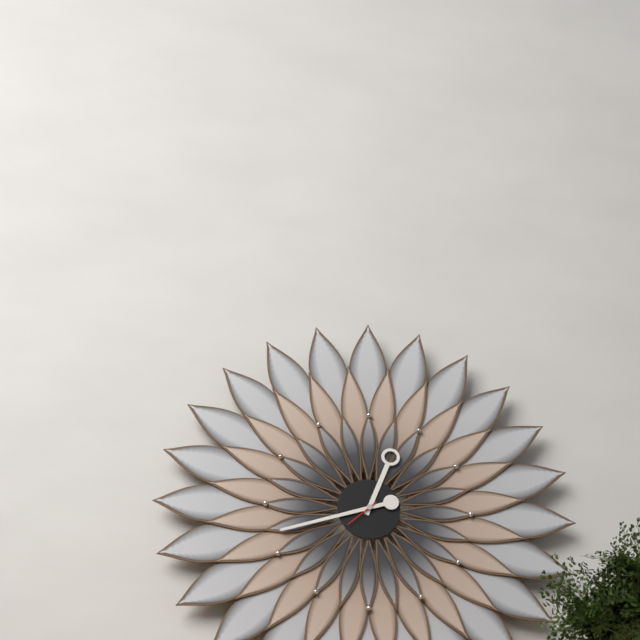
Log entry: **12:42**
